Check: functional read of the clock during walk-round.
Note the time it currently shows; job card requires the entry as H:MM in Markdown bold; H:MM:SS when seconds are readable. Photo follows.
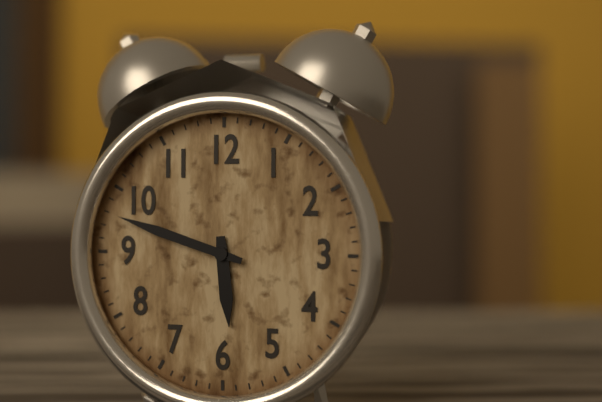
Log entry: **5:48**
